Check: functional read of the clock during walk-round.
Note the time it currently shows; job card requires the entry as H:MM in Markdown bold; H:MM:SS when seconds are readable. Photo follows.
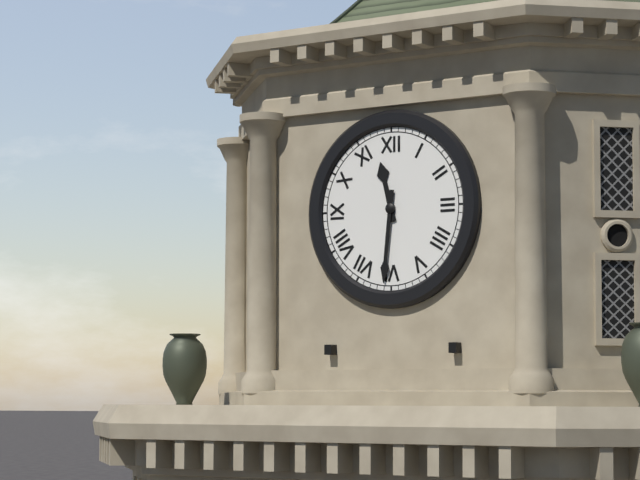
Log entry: **11:31**
